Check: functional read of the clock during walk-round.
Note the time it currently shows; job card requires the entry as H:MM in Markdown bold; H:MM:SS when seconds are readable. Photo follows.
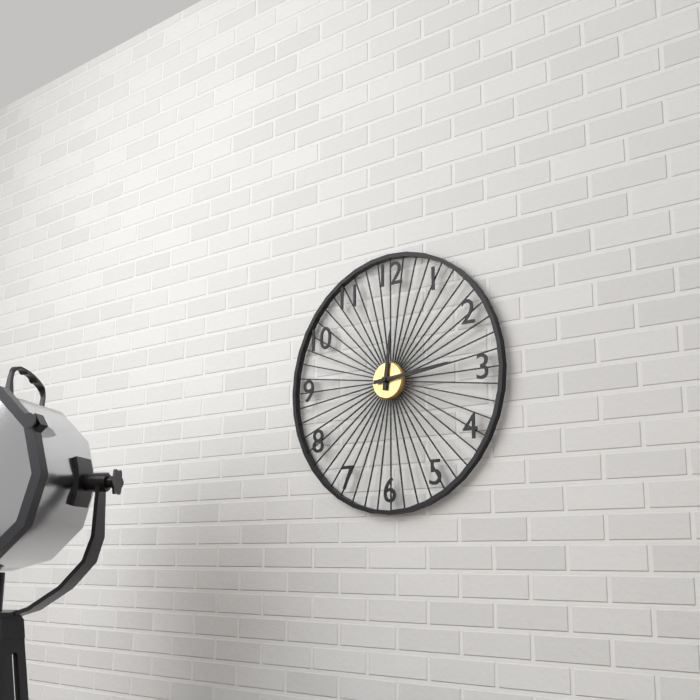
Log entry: **12:14**
